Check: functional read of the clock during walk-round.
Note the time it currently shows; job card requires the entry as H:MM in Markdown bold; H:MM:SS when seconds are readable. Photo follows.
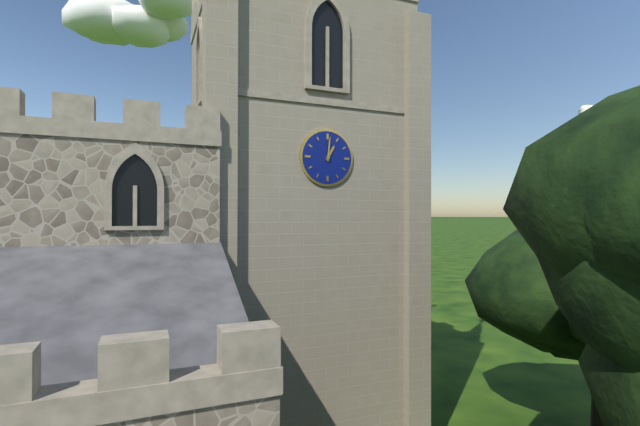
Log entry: **1:01**
